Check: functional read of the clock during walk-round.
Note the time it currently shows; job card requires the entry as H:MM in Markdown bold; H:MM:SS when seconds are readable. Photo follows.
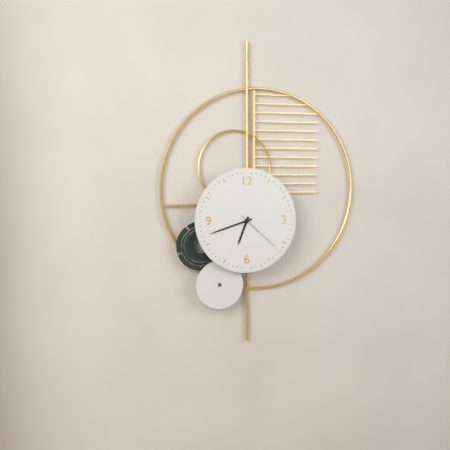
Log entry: **6:42:22**
